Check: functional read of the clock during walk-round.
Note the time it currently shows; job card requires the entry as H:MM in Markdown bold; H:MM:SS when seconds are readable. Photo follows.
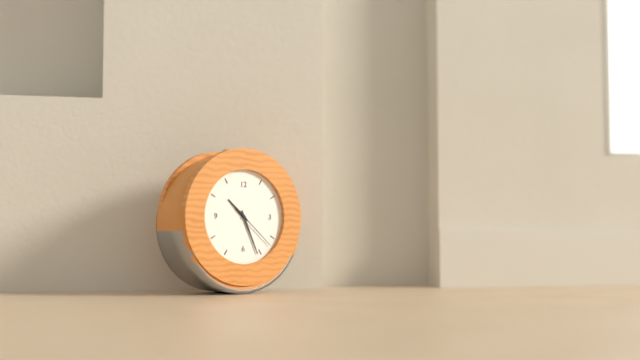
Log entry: **10:26**
